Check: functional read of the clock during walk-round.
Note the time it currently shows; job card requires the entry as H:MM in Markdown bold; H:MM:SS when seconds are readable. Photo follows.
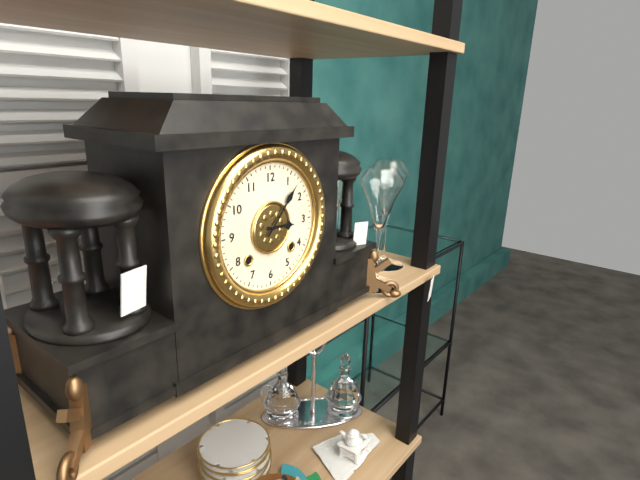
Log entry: **3:07**
